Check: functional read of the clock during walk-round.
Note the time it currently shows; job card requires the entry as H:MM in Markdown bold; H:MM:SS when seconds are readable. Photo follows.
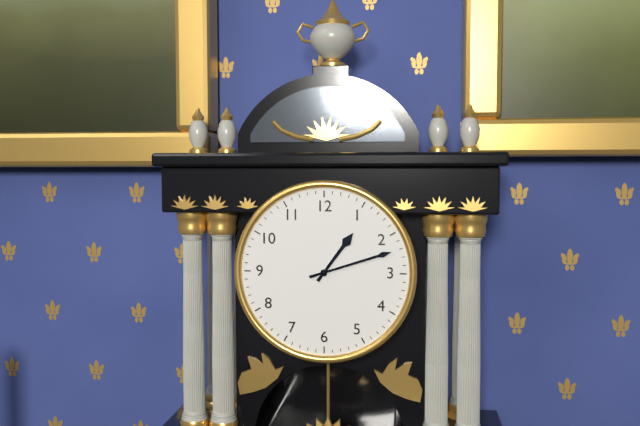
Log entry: **1:12**
